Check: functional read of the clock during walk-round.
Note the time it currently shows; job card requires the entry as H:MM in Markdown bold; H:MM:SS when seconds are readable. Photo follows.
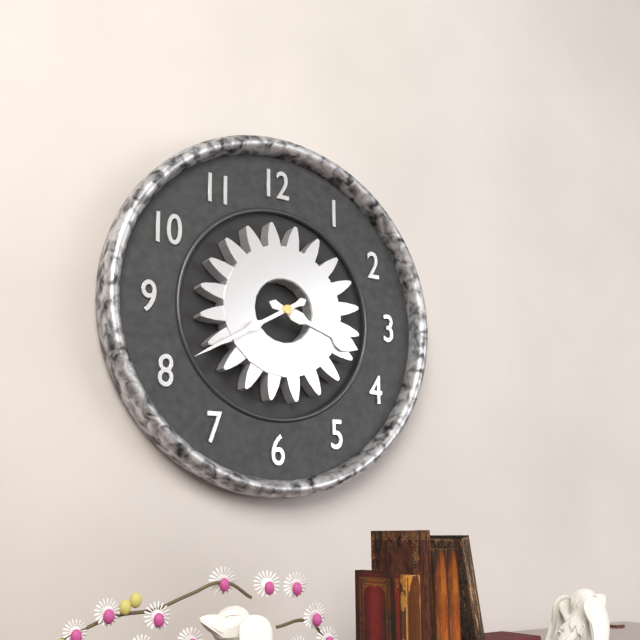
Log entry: **3:40**
